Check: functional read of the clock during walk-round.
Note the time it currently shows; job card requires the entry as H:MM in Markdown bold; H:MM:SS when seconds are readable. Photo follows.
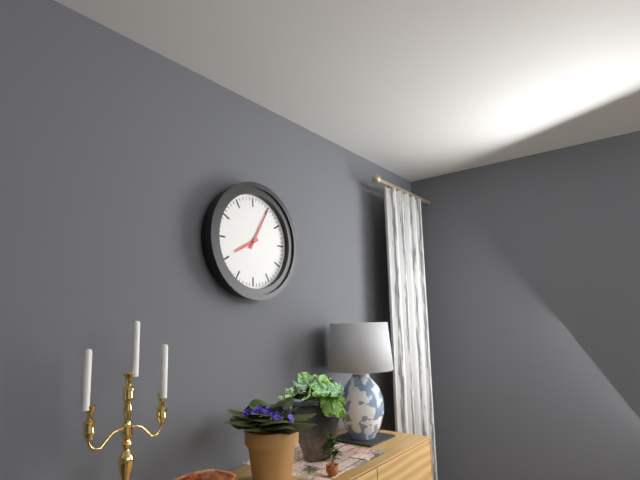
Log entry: **8:05**
